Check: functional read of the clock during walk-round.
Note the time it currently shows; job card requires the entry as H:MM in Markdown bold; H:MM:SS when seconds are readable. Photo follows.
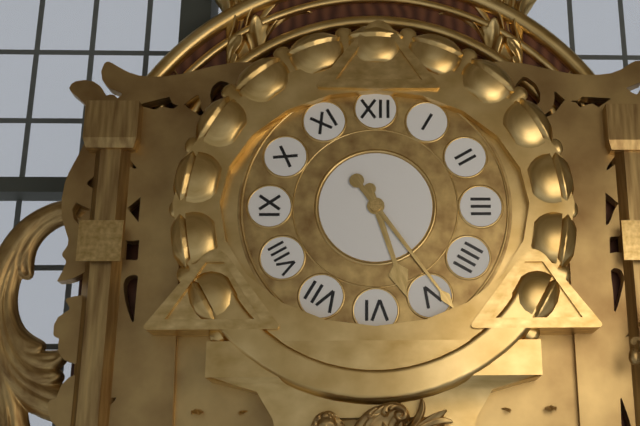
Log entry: **5:24**
